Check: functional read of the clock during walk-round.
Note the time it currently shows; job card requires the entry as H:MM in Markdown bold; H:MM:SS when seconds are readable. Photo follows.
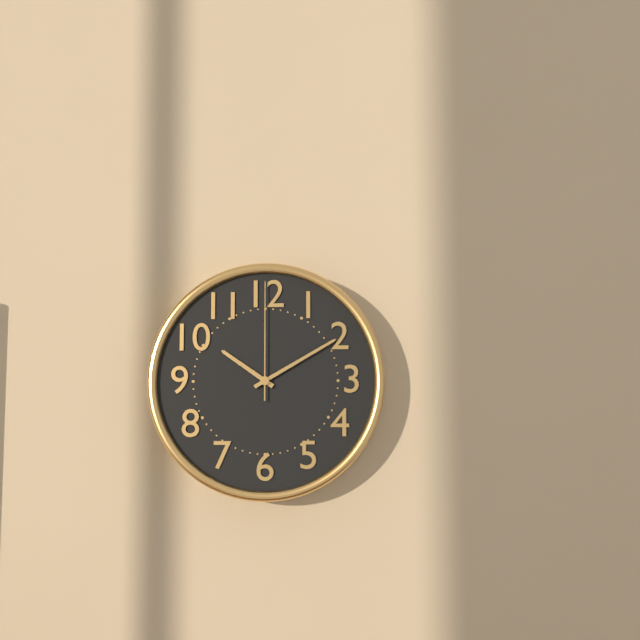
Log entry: **10:10:00**
